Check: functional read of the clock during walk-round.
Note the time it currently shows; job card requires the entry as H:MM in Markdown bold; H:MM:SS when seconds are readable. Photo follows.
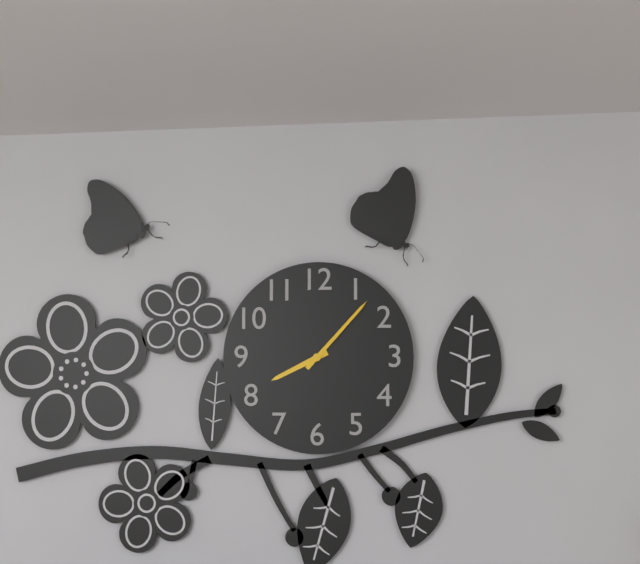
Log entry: **8:07**
